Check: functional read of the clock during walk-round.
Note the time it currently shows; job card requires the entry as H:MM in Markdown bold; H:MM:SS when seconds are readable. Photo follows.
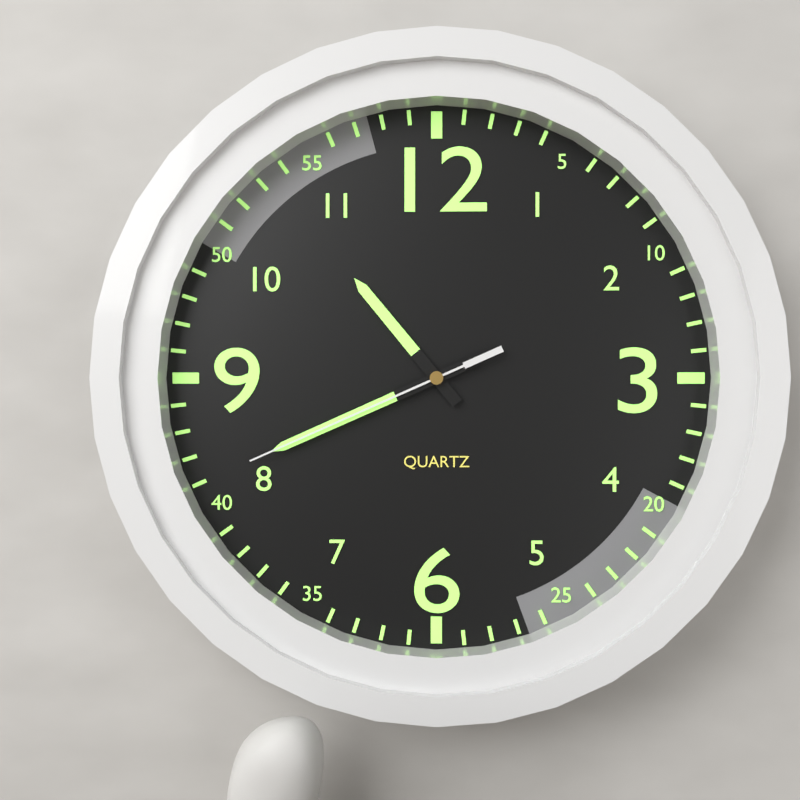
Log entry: **10:41:41**
